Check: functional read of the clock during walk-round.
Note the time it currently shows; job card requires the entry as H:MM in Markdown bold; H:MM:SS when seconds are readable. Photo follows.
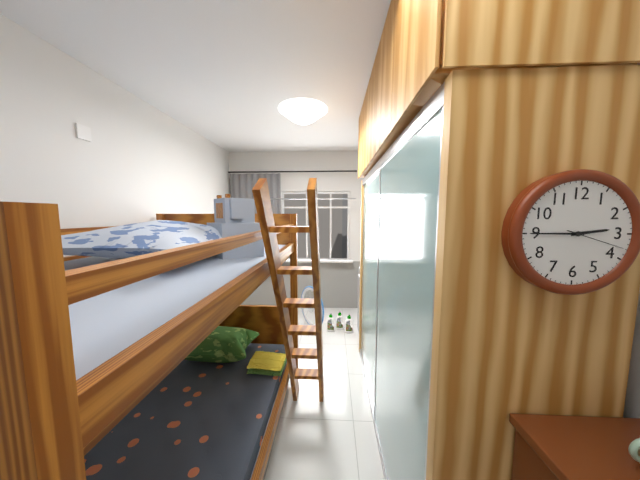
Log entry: **2:45:18**
